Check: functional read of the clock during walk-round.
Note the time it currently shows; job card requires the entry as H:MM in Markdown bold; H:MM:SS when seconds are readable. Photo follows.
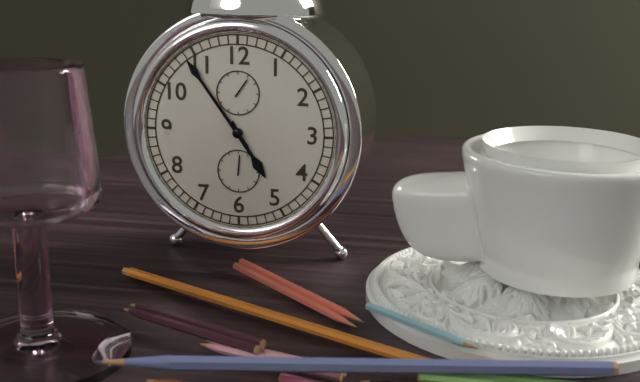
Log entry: **4:54**
